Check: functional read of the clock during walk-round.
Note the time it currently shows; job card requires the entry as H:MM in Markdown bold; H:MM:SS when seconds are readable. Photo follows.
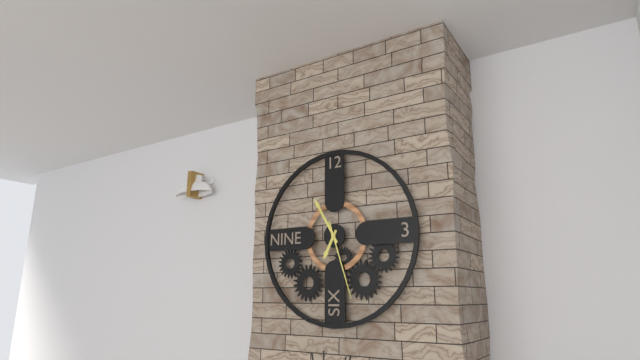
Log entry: **6:55:27**
